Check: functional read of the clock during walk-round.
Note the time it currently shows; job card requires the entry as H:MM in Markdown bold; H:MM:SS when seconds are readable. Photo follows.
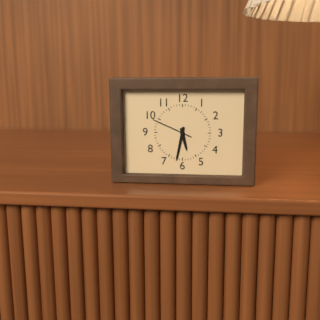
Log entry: **5:32**
